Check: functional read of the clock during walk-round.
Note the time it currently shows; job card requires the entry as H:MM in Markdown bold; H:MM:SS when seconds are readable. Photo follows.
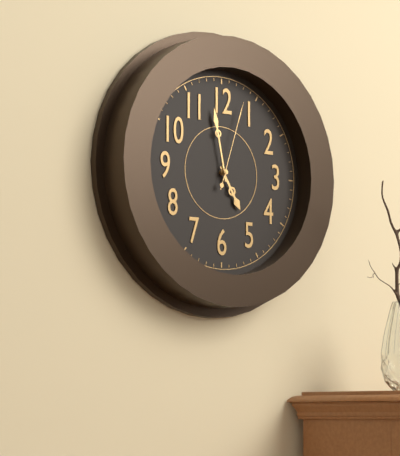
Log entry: **4:58:03**
